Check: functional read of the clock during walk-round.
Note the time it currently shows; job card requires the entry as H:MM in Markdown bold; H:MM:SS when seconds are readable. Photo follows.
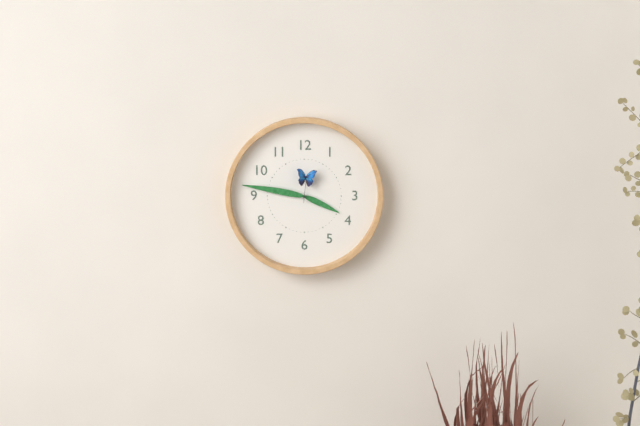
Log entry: **3:47**
